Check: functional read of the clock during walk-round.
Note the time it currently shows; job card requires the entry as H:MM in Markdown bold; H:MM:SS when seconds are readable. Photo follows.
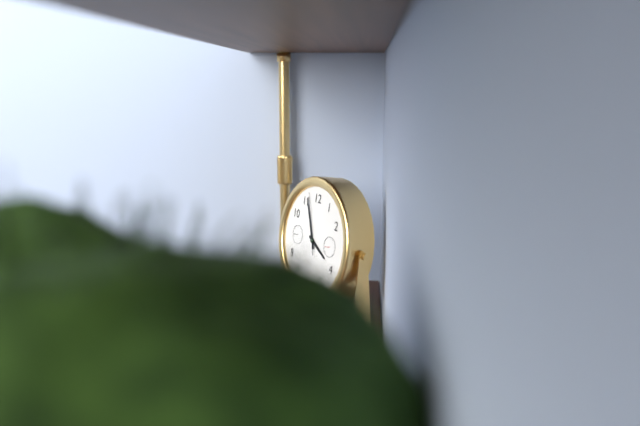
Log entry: **3:56:57**
